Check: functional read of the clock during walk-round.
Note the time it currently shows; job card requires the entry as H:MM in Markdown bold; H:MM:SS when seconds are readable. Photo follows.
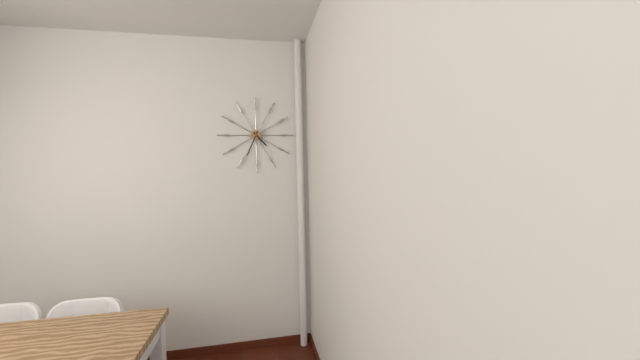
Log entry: **4:34**
